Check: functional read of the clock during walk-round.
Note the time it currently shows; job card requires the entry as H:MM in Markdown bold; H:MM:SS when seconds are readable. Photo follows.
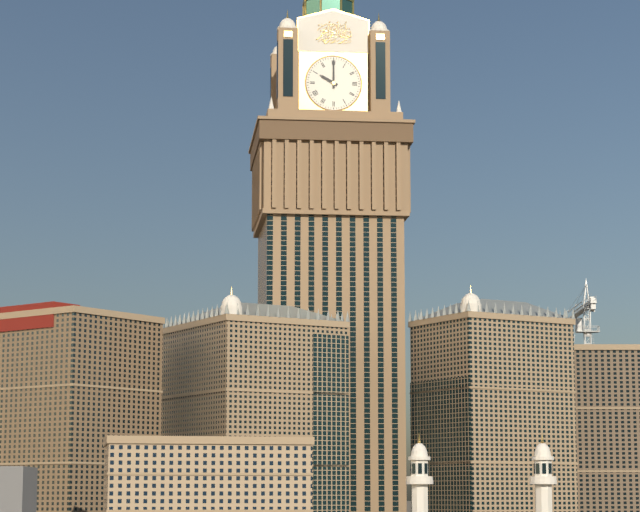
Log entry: **10:00**
